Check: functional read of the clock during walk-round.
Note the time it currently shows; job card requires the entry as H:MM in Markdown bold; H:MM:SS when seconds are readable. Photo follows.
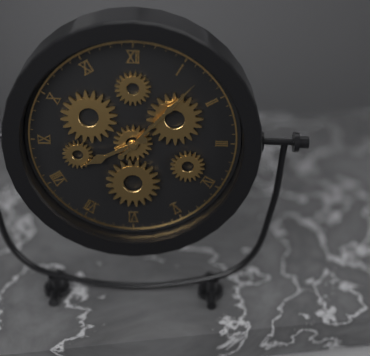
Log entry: **8:07**
